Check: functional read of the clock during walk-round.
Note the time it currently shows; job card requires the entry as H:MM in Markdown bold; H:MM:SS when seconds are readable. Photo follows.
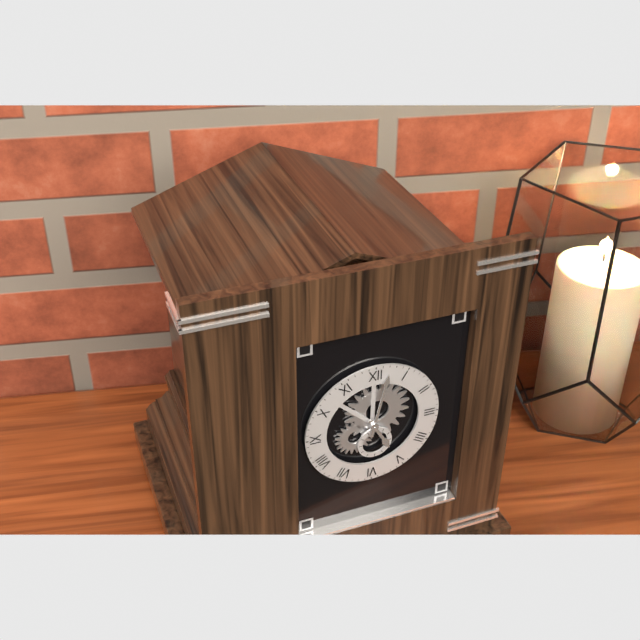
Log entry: **5:02**
